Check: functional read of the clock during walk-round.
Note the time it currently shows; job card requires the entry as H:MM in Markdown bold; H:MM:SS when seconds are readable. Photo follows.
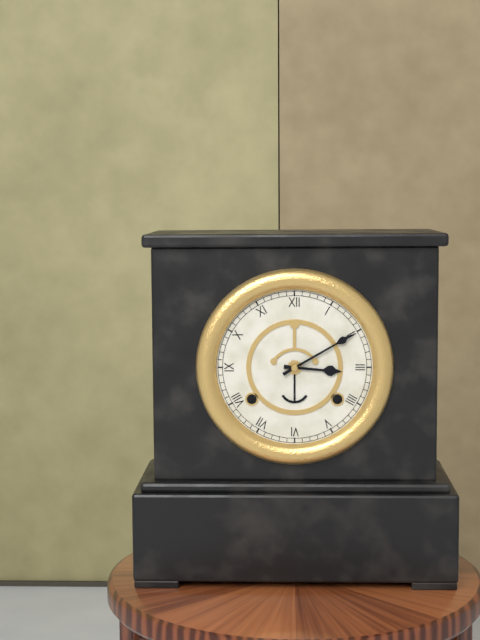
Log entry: **3:10**
